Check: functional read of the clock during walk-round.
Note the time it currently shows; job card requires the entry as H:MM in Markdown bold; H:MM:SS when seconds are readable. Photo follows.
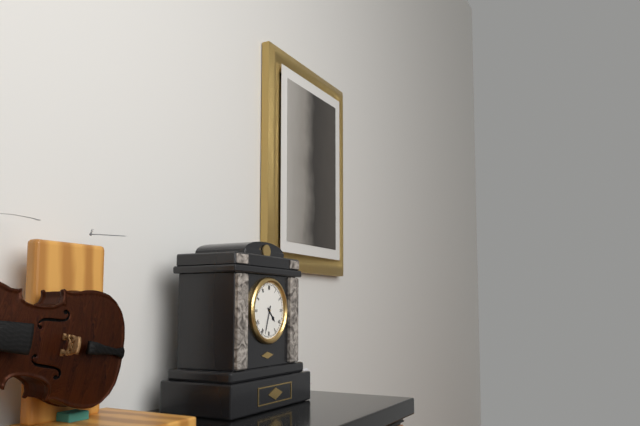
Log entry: **4:33**
